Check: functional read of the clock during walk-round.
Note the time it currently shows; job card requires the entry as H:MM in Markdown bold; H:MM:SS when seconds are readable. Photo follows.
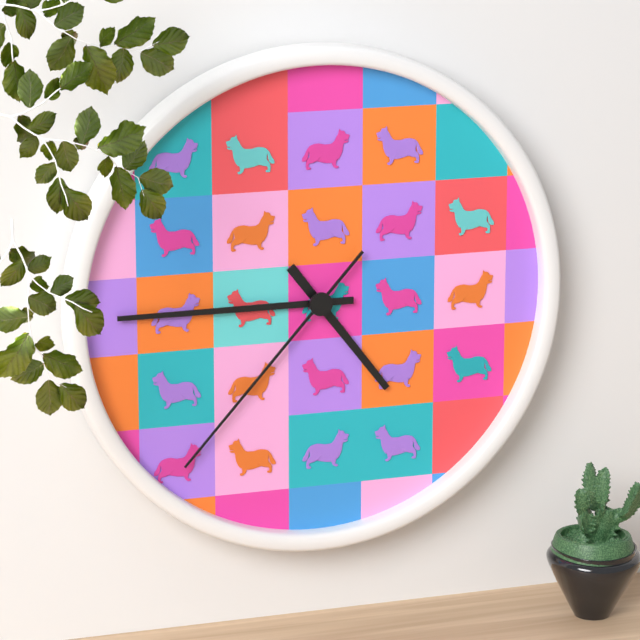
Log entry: **4:45:37**
